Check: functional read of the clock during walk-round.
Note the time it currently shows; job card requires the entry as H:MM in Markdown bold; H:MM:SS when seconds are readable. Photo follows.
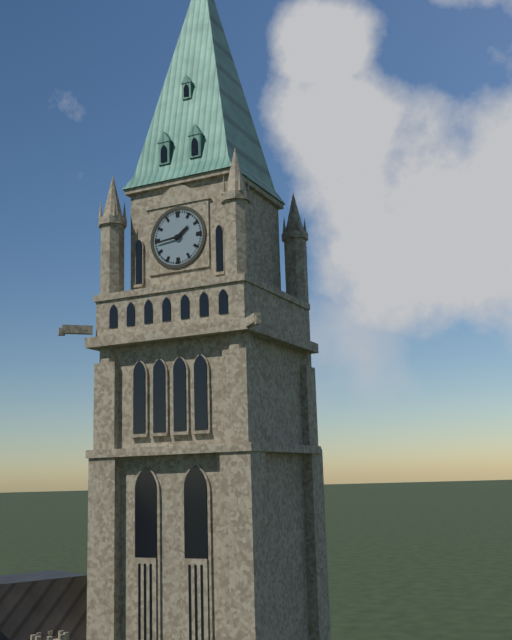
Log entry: **1:44**
